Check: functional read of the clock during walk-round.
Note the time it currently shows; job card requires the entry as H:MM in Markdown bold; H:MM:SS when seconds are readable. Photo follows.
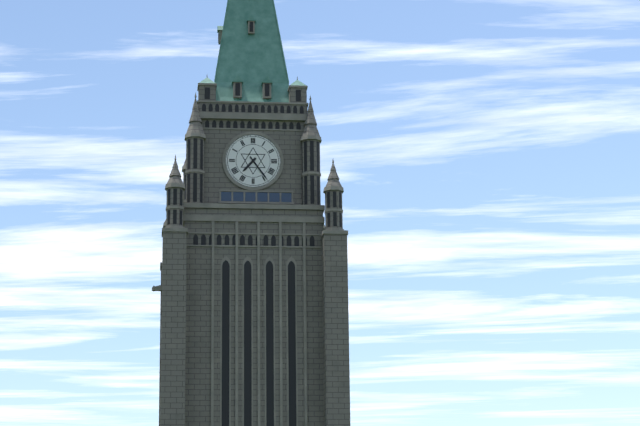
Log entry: **7:24**
